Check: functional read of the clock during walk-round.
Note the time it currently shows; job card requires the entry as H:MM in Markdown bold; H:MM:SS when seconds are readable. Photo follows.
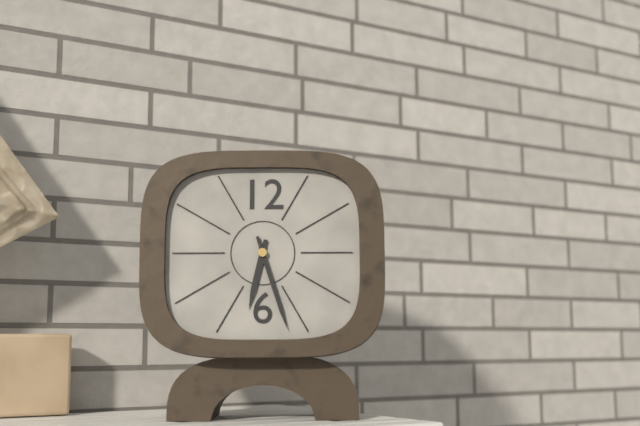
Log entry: **6:27**
